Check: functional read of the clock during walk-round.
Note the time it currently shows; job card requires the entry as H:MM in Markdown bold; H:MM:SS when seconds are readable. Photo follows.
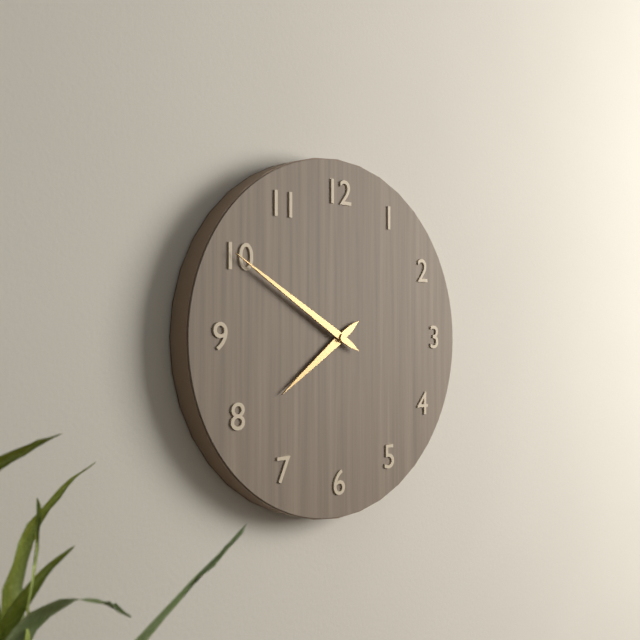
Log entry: **7:50**
